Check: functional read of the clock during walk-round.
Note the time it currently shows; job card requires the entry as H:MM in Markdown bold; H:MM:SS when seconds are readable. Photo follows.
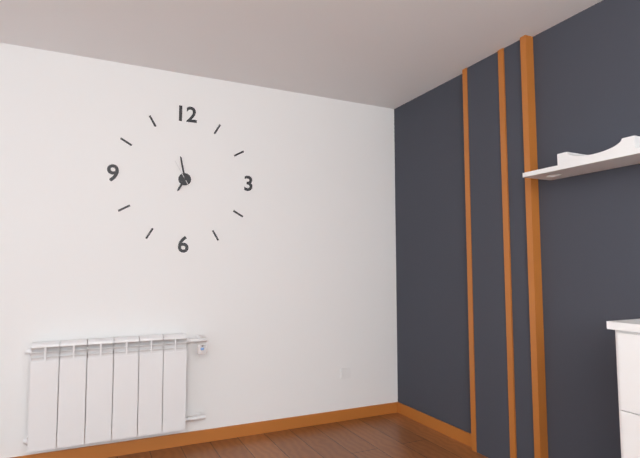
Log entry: **6:58**
